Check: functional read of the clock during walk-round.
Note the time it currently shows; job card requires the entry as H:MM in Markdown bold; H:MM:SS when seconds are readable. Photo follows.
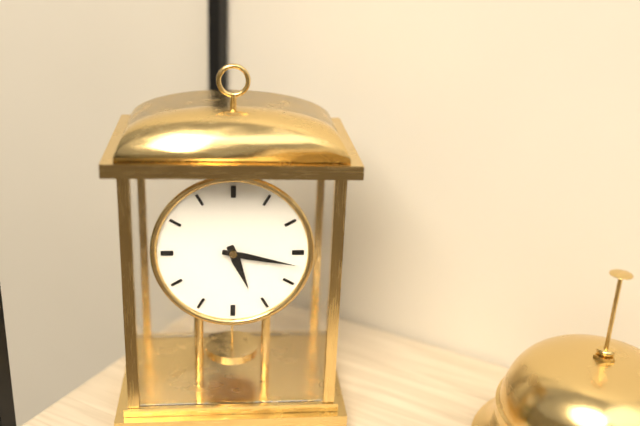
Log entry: **5:17**
